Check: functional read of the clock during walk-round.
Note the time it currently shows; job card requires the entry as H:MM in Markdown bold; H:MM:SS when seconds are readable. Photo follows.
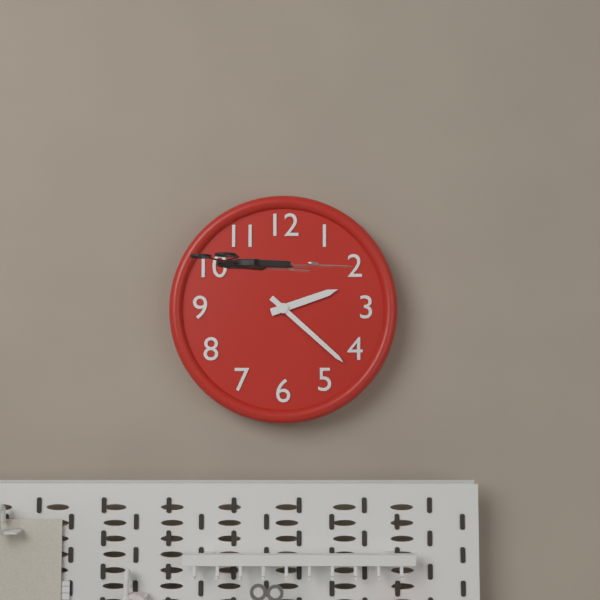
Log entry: **2:22**
